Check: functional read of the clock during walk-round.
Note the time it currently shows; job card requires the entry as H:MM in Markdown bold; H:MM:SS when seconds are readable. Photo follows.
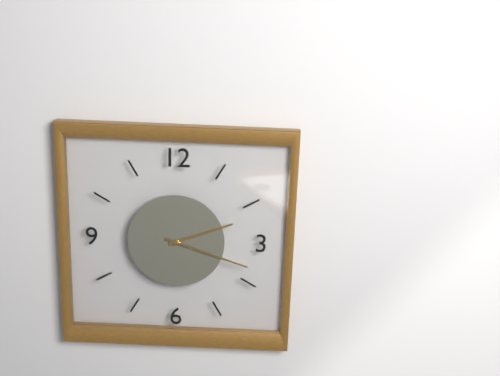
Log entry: **2:18**
